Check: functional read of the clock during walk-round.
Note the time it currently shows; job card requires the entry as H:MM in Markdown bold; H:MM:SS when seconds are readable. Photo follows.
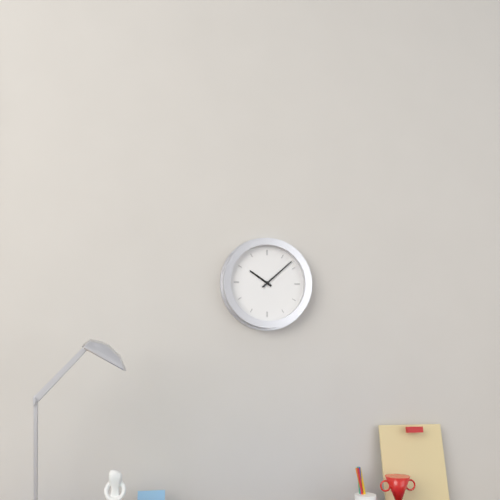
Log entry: **10:08**
